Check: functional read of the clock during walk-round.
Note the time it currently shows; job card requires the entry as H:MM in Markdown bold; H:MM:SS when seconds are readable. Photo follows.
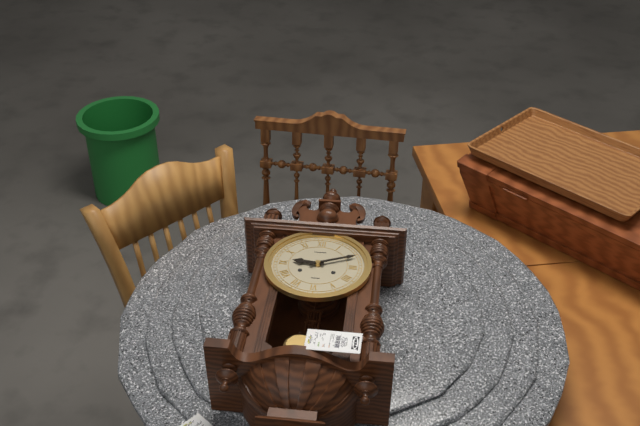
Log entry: **9:11**
